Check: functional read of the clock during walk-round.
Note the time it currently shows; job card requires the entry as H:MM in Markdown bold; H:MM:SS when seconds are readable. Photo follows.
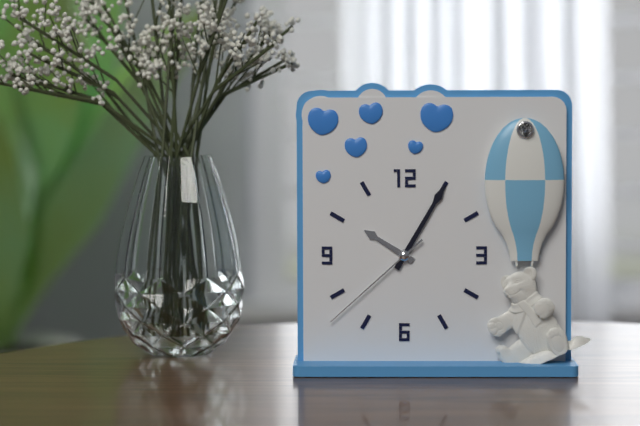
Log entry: **10:05:38**
